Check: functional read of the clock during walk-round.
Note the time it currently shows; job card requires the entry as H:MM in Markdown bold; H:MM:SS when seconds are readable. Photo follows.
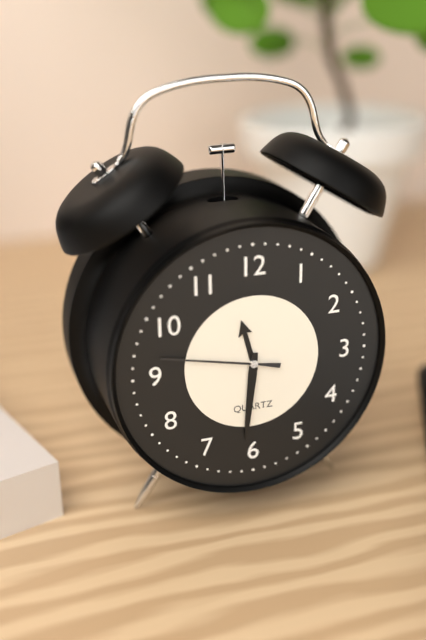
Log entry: **11:31:47**
